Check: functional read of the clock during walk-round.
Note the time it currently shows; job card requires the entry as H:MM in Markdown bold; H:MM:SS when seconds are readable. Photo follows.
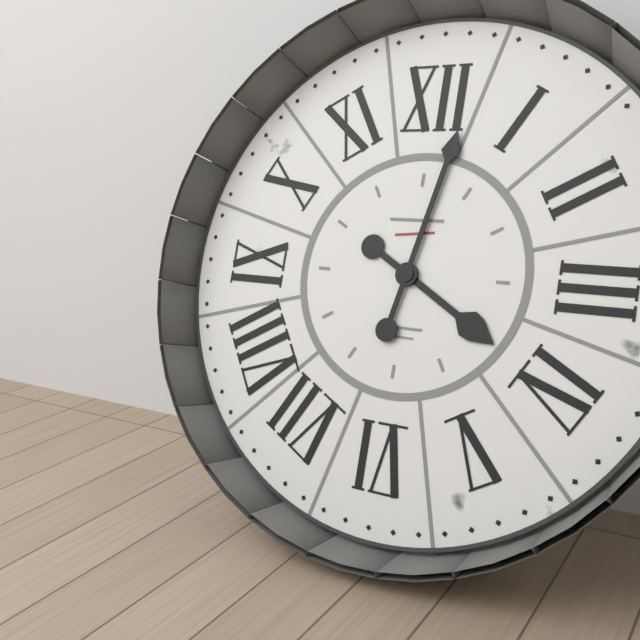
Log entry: **4:02**
